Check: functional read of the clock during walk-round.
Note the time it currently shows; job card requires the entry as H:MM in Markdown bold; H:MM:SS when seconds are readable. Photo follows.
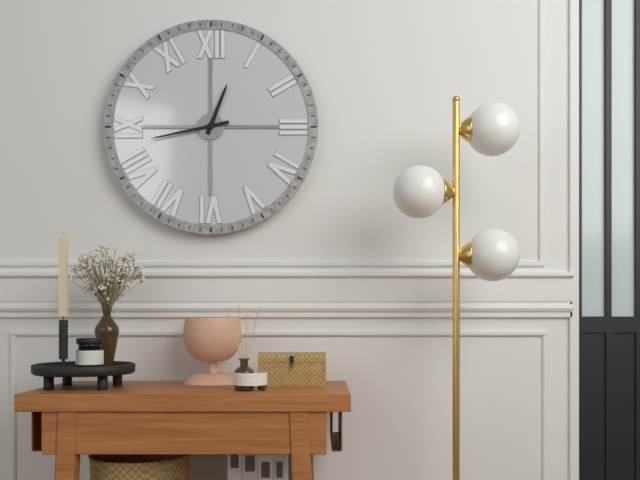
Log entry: **12:43**
